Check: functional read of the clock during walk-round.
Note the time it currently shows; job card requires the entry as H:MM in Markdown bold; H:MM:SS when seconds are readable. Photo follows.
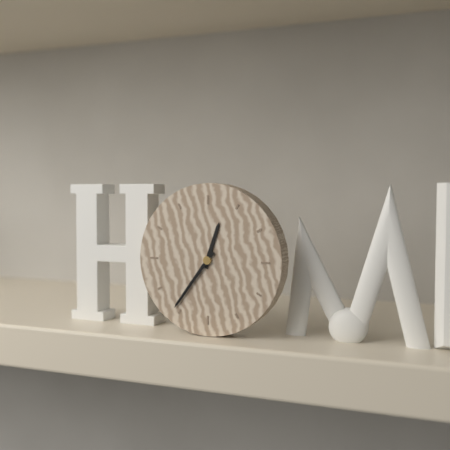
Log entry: **12:36**
